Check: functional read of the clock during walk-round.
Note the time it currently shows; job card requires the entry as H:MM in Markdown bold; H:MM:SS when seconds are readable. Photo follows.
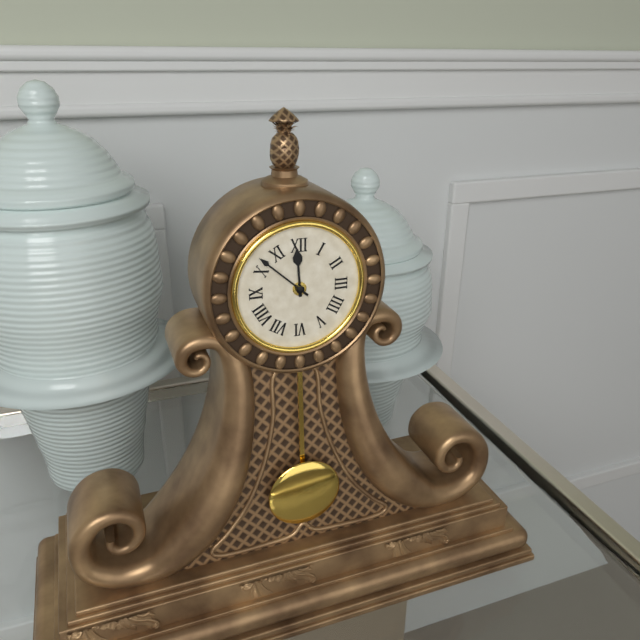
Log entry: **11:52**
